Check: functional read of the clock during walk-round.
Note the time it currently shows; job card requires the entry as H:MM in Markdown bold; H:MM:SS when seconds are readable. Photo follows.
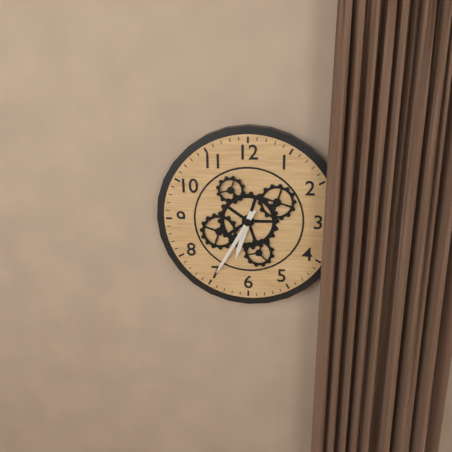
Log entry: **6:35**
